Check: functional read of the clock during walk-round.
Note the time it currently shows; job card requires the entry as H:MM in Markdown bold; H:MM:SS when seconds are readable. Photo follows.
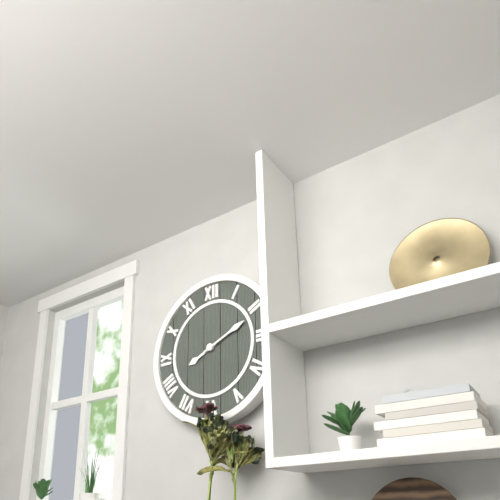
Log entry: **8:11**
